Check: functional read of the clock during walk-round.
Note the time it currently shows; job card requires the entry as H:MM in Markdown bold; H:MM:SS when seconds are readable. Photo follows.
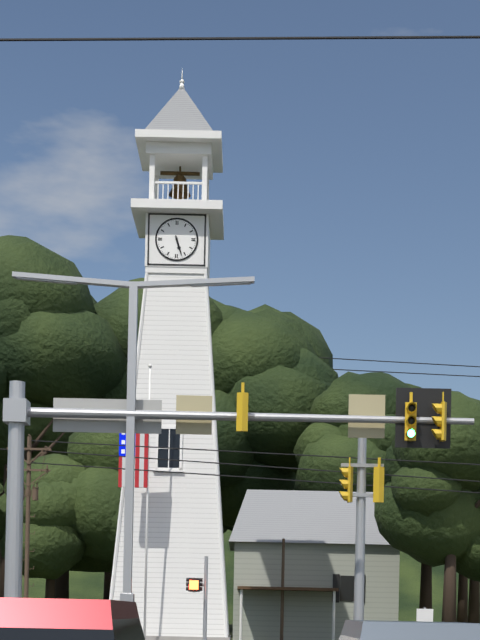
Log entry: **5:27**
